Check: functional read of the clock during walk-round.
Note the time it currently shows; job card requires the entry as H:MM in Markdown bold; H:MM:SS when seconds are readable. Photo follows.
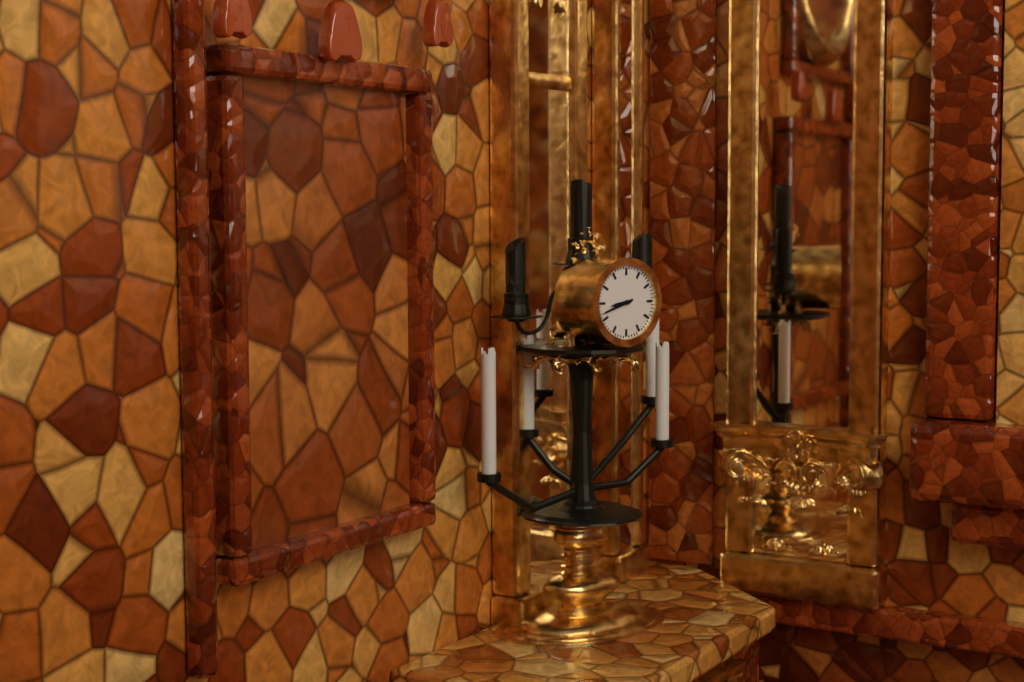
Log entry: **8:42**
